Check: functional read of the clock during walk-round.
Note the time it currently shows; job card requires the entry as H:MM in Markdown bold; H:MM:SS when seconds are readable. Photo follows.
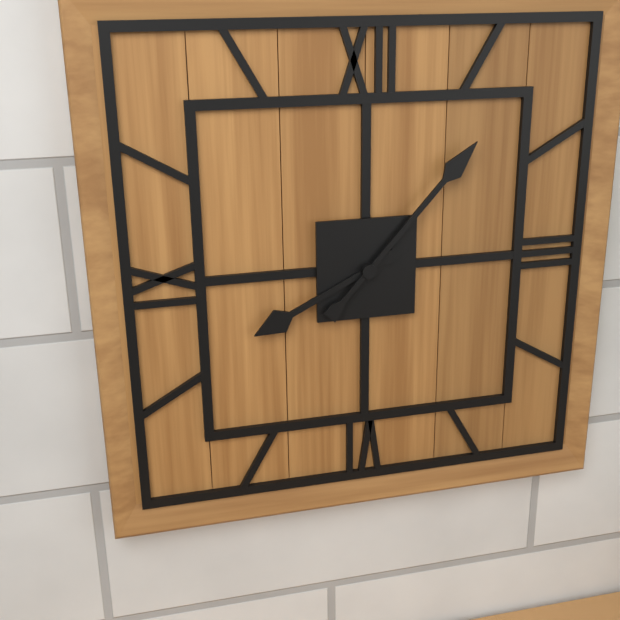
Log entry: **8:07**
